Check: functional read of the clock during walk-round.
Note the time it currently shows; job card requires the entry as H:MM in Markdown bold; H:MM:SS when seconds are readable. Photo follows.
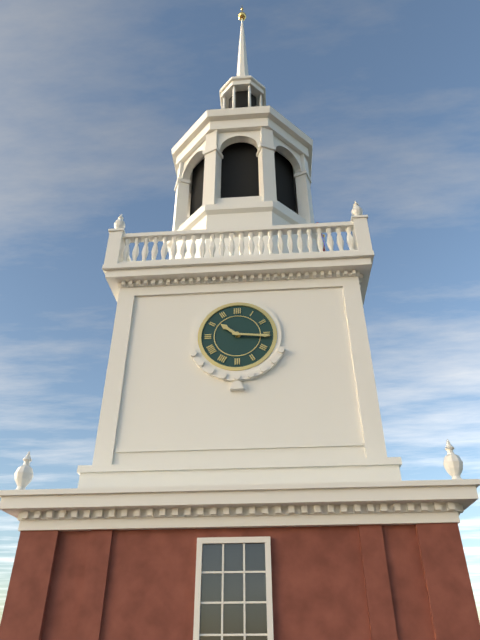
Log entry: **10:16**
